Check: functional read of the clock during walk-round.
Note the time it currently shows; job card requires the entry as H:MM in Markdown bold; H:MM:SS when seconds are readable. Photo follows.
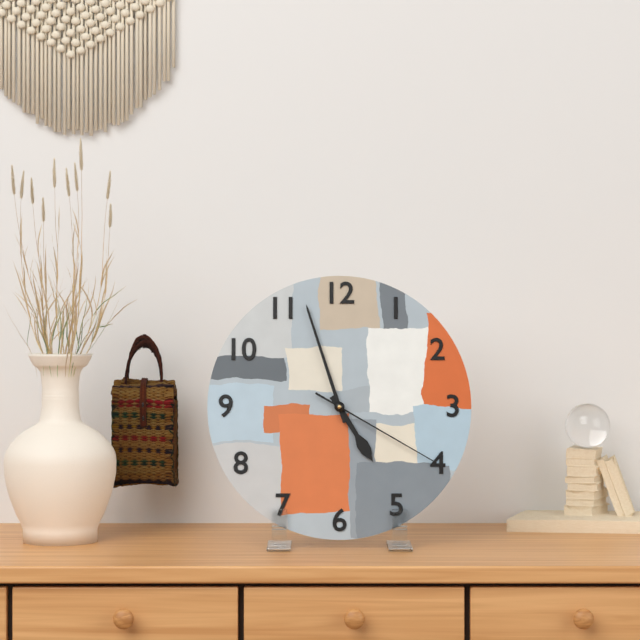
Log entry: **4:57:20**
